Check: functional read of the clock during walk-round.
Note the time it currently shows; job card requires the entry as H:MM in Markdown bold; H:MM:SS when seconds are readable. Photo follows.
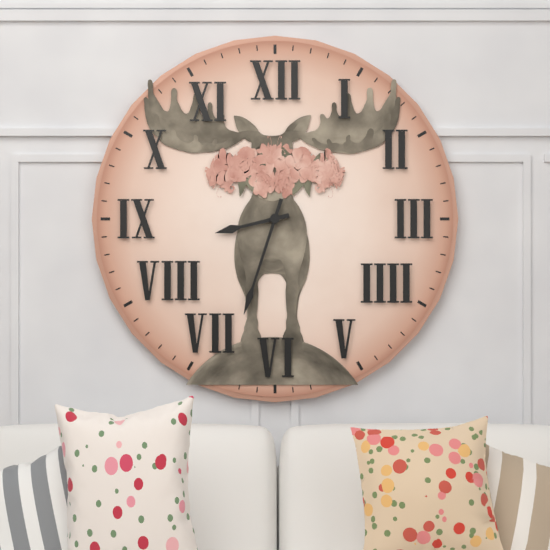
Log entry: **8:33**
